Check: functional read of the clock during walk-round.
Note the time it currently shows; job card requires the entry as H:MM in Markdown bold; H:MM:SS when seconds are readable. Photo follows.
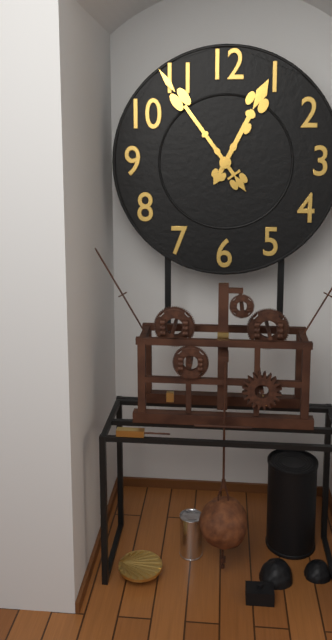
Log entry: **12:54**
